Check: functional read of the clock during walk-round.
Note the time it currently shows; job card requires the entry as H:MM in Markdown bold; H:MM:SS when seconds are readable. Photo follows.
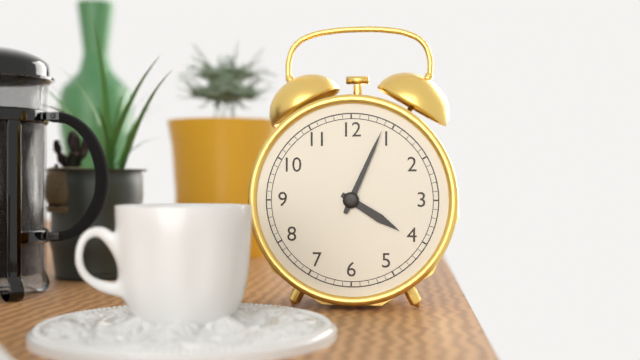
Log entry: **4:04**
